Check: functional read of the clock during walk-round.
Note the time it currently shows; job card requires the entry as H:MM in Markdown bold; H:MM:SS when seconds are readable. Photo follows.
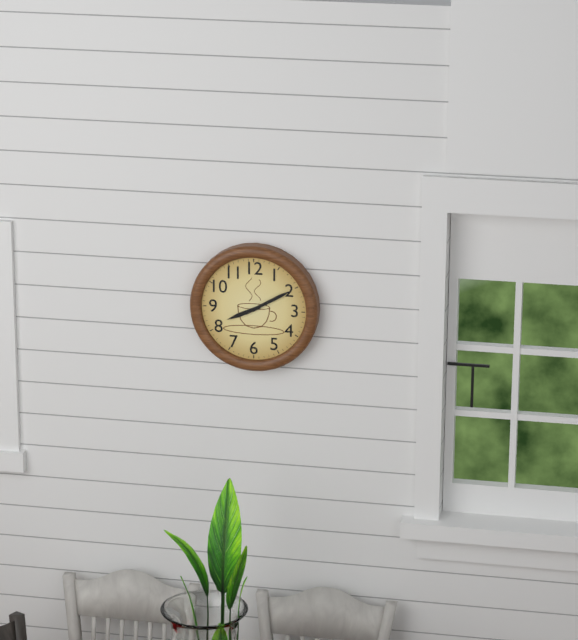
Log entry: **8:10**
